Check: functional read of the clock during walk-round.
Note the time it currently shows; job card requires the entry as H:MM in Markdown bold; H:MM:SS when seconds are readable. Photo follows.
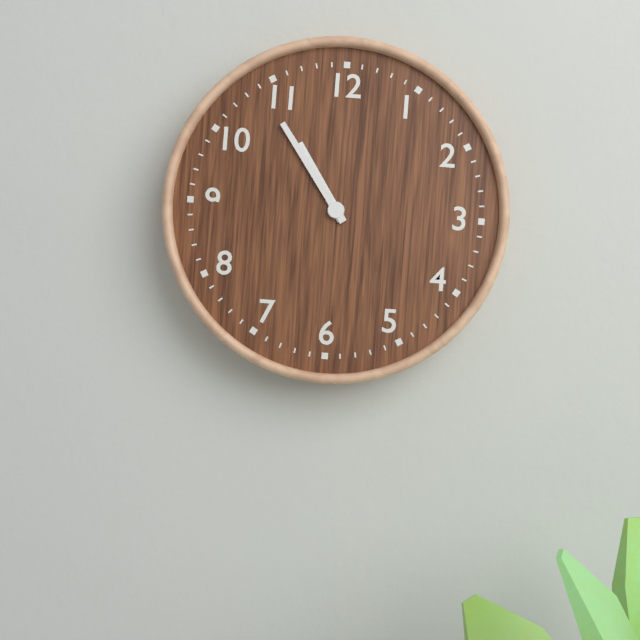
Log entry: **10:54**
